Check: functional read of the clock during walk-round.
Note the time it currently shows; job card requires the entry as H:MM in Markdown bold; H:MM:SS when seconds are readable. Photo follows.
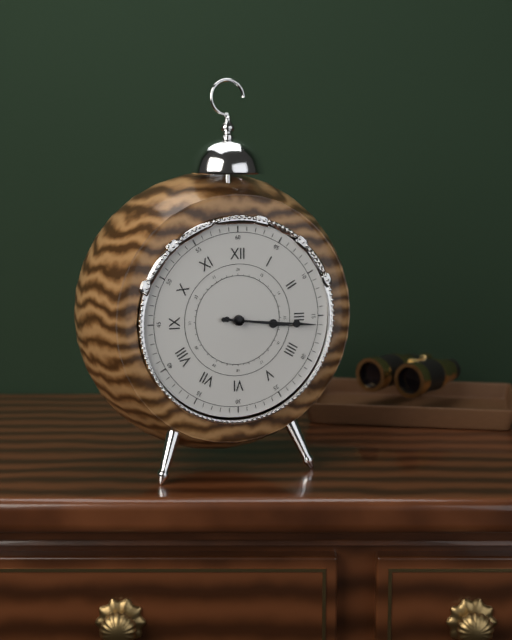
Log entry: **3:16**
